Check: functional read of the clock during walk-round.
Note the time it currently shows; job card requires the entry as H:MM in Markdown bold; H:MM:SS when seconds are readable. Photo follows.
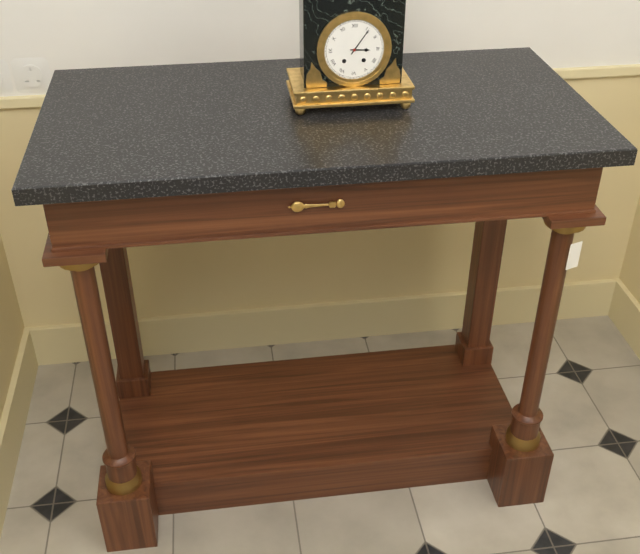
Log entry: **3:06**
